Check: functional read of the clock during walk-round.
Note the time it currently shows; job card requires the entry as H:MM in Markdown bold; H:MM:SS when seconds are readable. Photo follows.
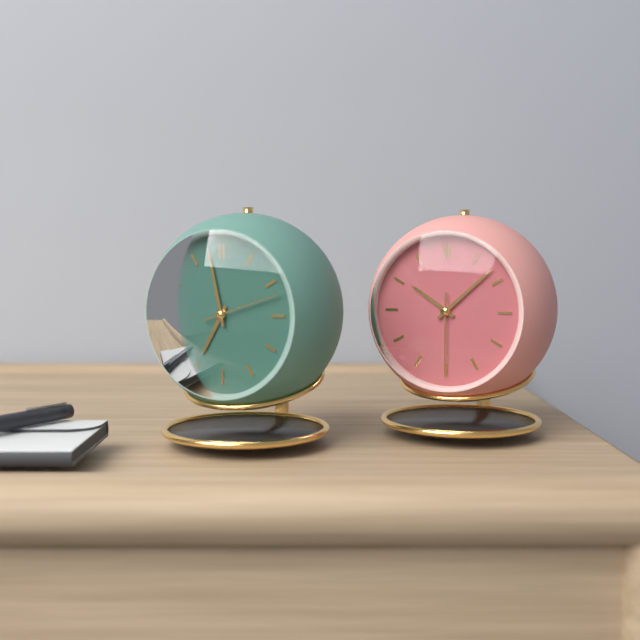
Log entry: **6:58:12**
